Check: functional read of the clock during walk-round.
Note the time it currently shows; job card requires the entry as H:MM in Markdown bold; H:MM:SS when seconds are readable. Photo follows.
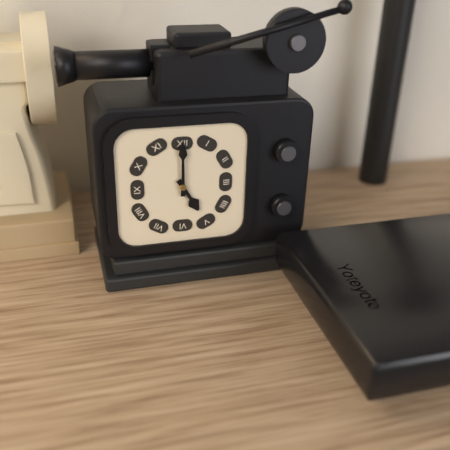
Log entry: **5:00**
